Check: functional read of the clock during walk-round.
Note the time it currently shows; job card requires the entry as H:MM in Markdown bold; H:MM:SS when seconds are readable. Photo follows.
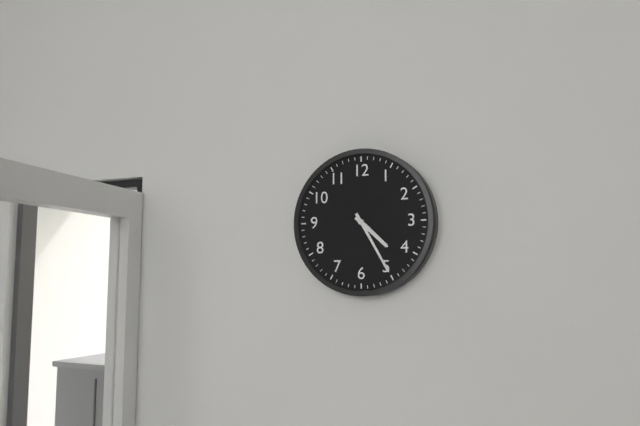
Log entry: **4:25**
